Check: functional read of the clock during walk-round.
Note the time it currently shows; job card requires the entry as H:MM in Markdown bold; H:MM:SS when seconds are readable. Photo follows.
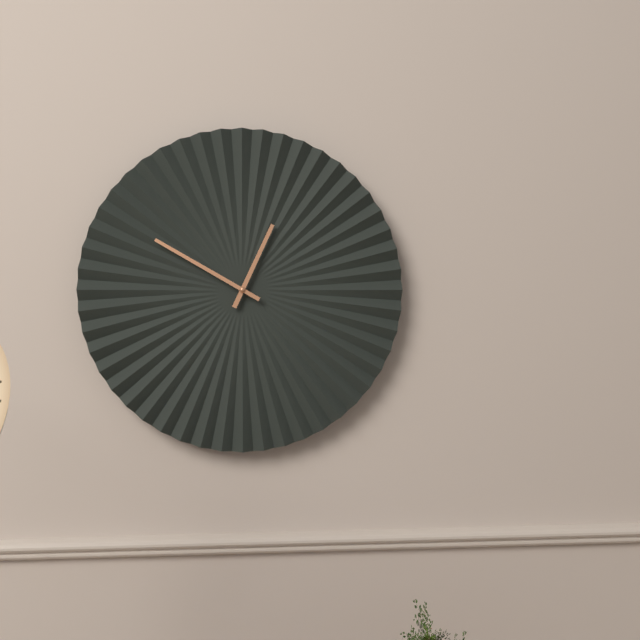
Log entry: **12:50**
